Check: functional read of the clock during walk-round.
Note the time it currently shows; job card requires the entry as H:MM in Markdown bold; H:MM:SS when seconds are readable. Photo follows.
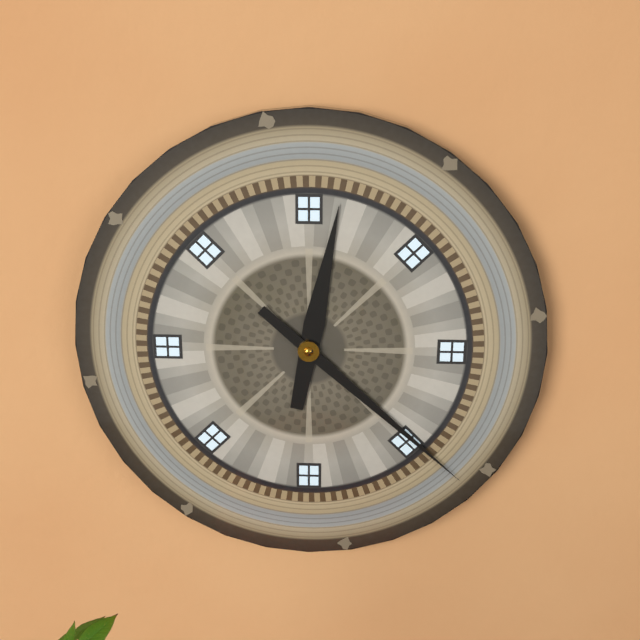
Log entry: **12:22**
